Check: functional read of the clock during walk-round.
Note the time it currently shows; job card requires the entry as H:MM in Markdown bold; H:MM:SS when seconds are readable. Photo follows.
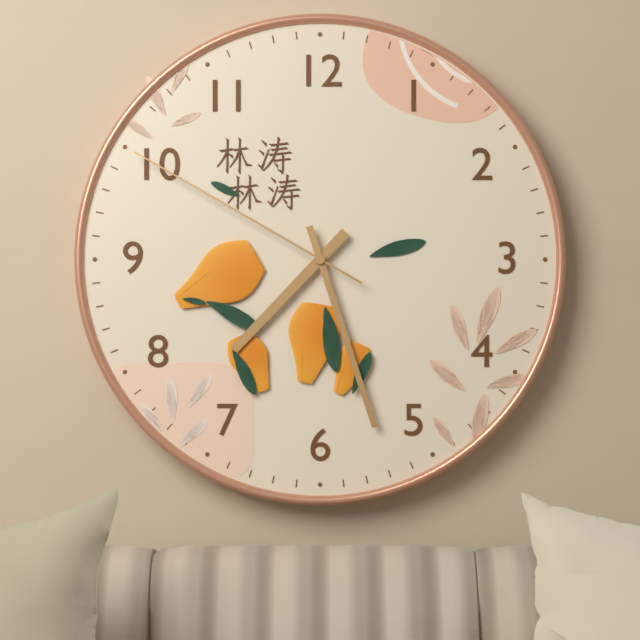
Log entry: **7:27:50**
